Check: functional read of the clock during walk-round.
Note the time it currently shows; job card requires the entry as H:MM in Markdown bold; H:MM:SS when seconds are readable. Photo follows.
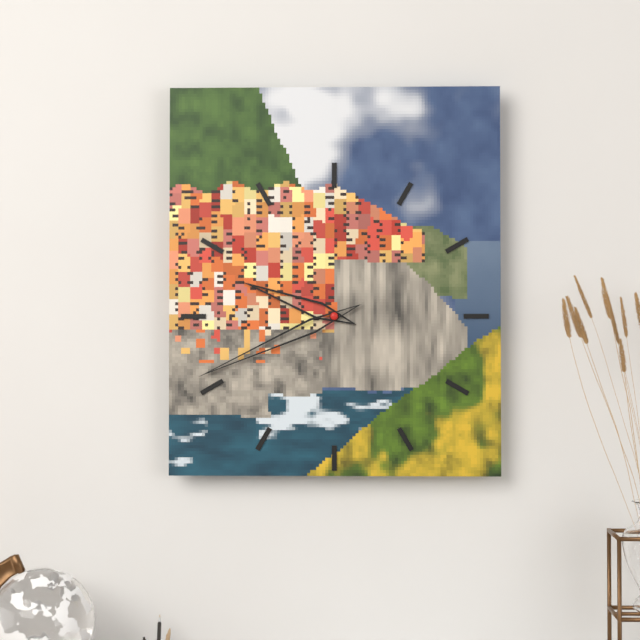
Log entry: **9:41**
